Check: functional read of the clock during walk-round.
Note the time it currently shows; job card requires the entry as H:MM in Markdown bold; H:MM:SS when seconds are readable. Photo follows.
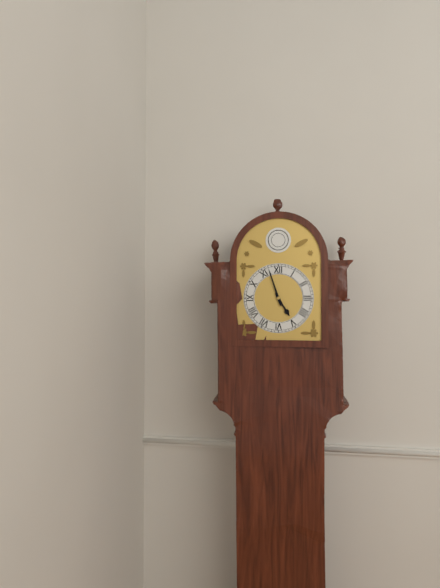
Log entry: **4:57**
